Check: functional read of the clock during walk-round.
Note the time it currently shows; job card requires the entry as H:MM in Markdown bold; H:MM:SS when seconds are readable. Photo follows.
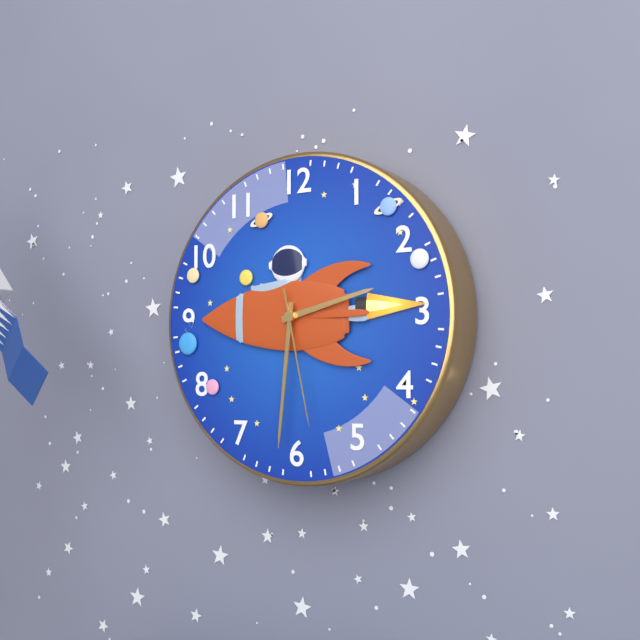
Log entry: **2:31:28**
